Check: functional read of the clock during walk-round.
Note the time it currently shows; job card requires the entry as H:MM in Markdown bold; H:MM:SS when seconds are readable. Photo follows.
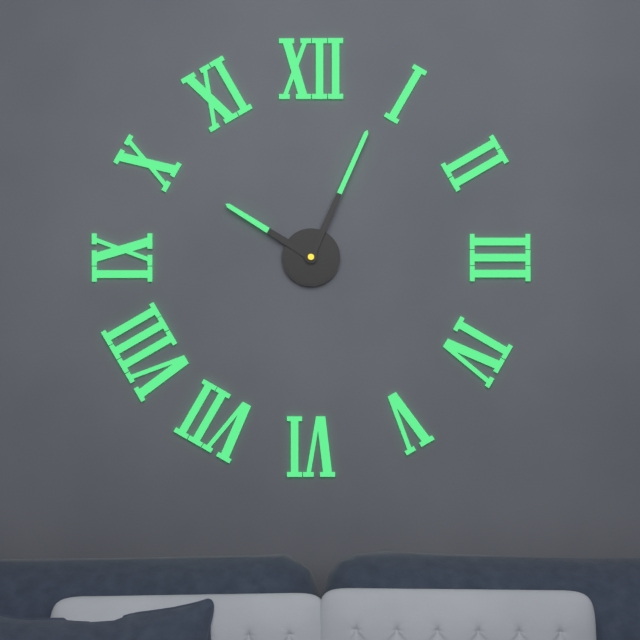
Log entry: **10:04**
